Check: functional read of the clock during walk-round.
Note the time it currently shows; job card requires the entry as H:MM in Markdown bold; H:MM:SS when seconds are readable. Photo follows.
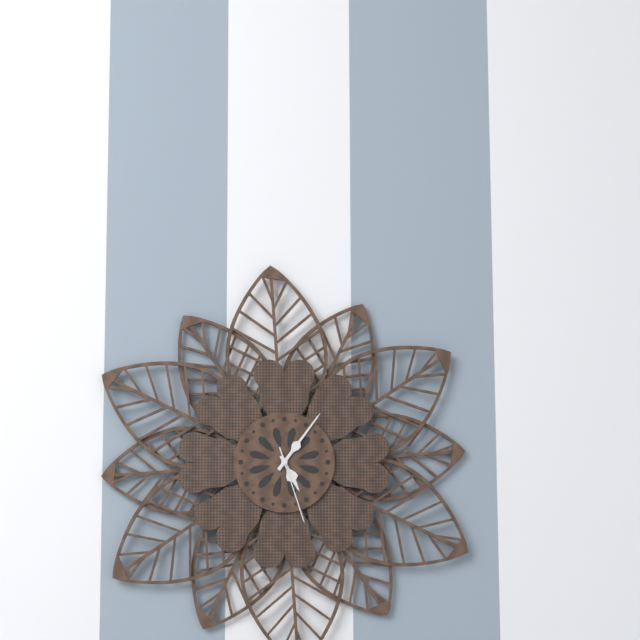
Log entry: **5:06:27**
